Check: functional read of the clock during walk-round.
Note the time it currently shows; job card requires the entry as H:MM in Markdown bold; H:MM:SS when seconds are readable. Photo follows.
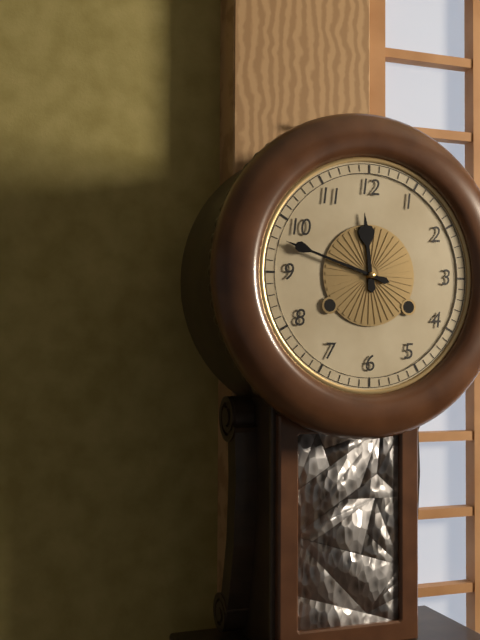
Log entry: **11:48**
